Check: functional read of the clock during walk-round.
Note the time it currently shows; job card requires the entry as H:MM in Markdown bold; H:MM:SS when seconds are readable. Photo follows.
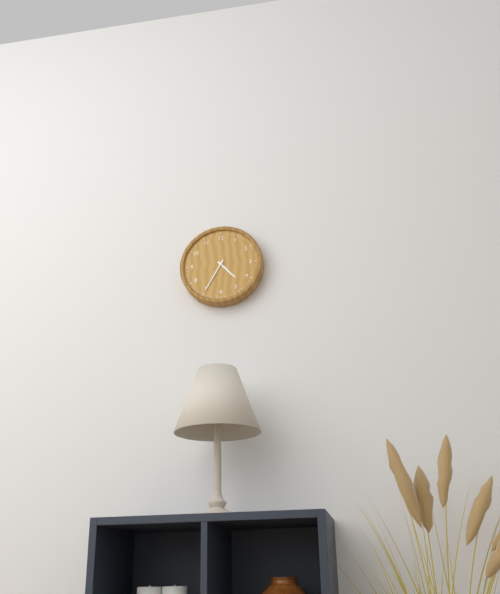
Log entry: **4:35**
